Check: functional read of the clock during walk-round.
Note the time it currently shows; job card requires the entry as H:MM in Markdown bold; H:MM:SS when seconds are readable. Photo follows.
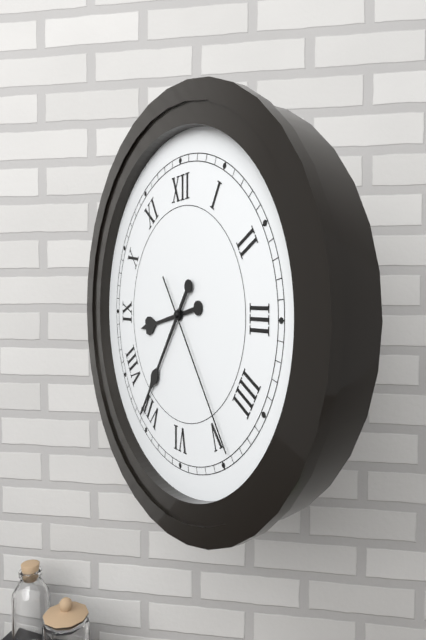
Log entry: **8:36:24**
